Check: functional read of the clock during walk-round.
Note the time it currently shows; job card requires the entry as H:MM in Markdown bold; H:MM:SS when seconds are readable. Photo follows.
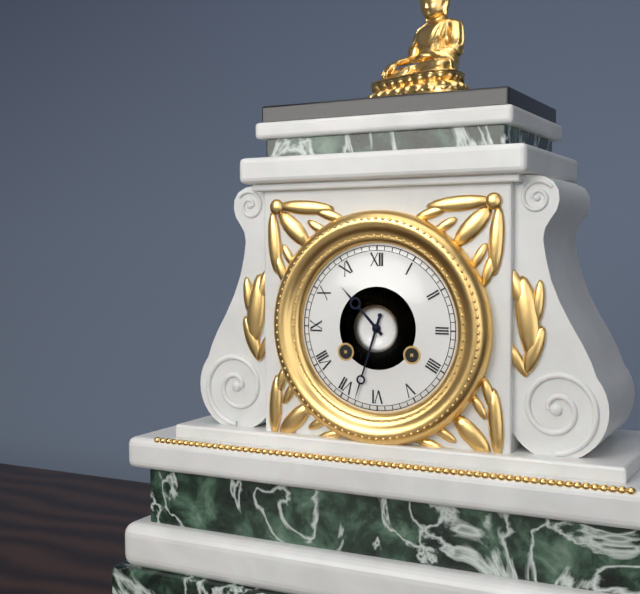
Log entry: **10:33**
